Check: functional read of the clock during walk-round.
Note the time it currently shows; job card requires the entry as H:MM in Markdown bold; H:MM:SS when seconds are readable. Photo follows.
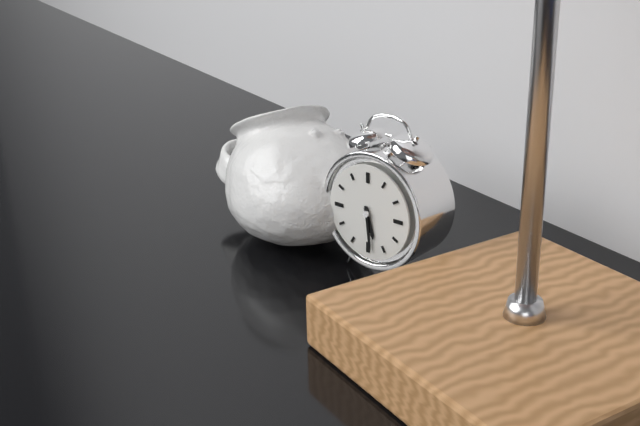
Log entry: **5:29**
